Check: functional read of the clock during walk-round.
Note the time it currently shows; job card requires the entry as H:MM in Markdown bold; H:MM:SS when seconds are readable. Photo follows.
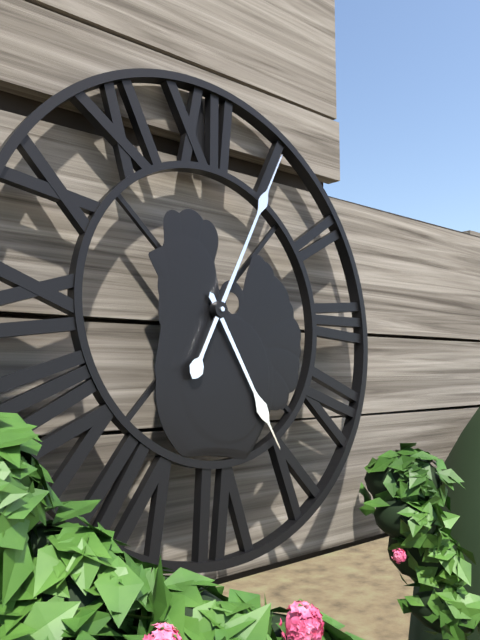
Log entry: **5:05**
